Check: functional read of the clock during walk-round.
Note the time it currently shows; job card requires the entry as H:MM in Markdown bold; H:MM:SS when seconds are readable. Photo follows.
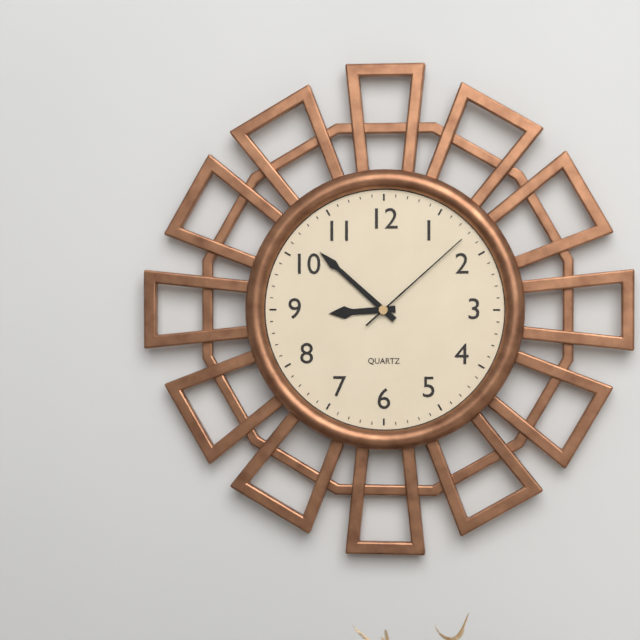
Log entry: **8:52:08**
